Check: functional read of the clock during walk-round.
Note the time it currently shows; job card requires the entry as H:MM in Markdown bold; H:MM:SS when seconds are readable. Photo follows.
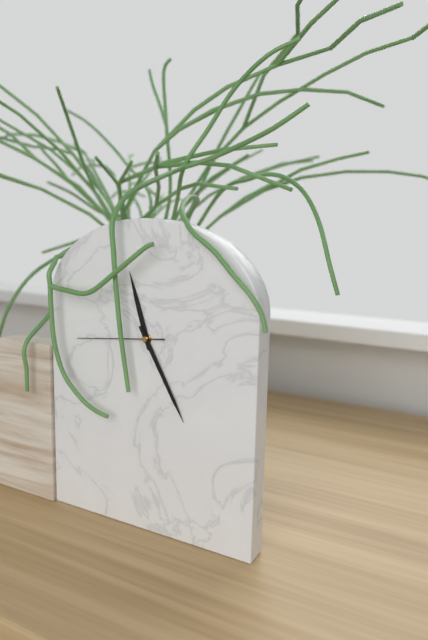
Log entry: **11:25:44**
